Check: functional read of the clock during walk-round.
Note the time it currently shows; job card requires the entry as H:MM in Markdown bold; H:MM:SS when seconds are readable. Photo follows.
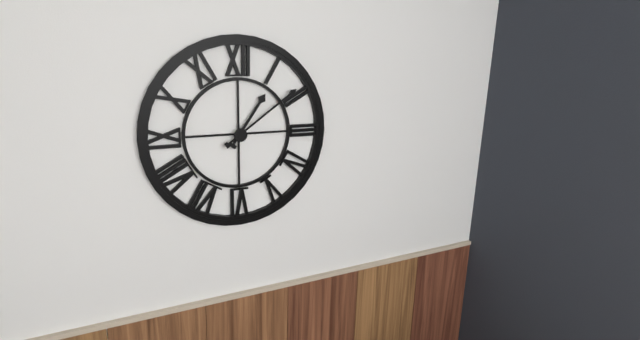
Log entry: **1:09**
